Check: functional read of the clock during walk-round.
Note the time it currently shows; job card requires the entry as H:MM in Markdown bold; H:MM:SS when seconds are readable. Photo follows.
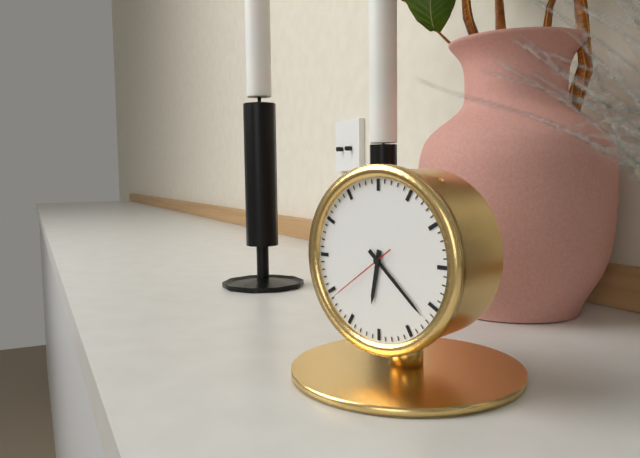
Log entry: **6:22:39**
